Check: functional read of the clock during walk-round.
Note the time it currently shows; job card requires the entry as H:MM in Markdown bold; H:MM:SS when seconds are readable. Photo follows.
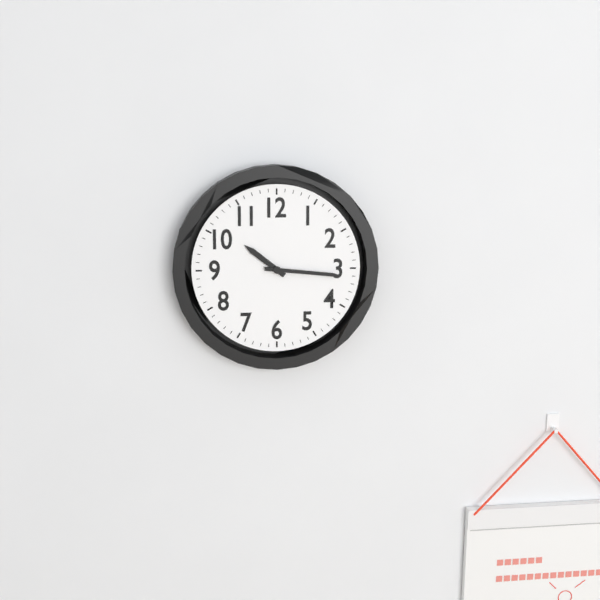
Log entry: **10:16**
